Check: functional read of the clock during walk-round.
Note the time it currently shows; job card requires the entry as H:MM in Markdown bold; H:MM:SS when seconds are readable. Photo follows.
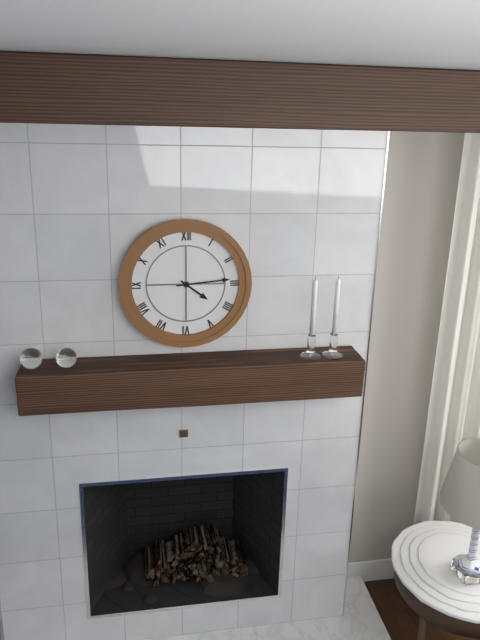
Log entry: **4:14**
